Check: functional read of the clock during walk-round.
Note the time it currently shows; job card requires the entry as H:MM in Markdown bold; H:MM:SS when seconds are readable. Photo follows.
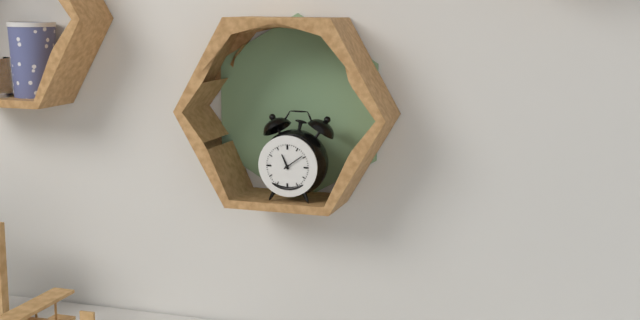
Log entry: **11:09**
